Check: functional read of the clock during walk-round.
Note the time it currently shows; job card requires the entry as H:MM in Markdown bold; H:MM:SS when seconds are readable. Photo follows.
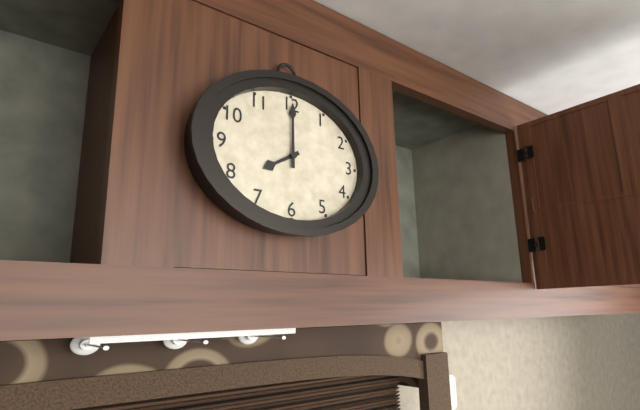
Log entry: **8:00**
